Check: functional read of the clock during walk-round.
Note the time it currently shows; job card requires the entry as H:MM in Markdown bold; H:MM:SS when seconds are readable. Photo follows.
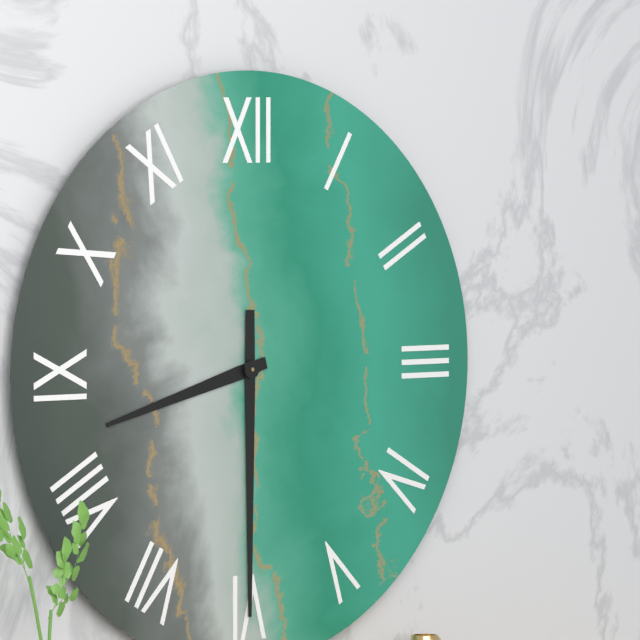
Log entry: **8:30**
